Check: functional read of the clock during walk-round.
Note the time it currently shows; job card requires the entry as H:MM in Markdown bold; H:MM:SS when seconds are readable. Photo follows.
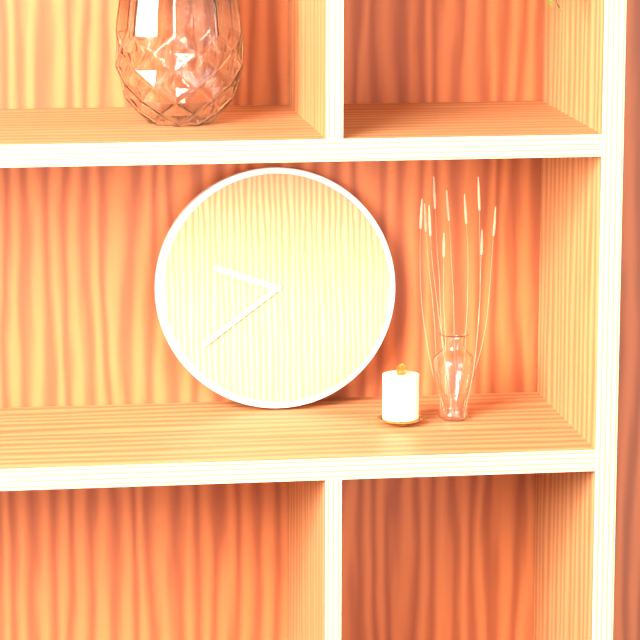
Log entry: **9:39**
